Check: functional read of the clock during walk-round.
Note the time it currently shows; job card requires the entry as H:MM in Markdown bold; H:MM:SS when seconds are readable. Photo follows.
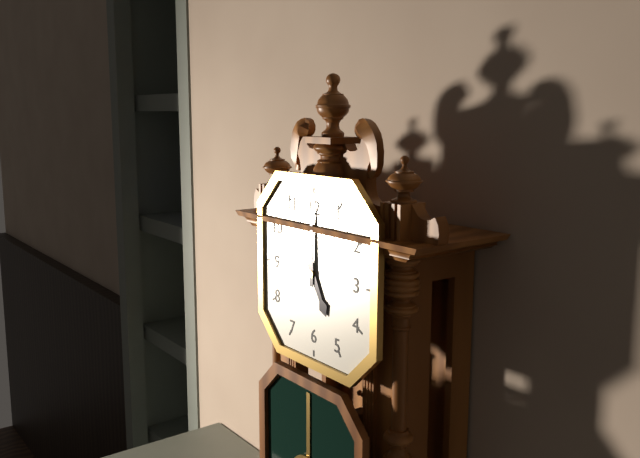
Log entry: **5:00**
